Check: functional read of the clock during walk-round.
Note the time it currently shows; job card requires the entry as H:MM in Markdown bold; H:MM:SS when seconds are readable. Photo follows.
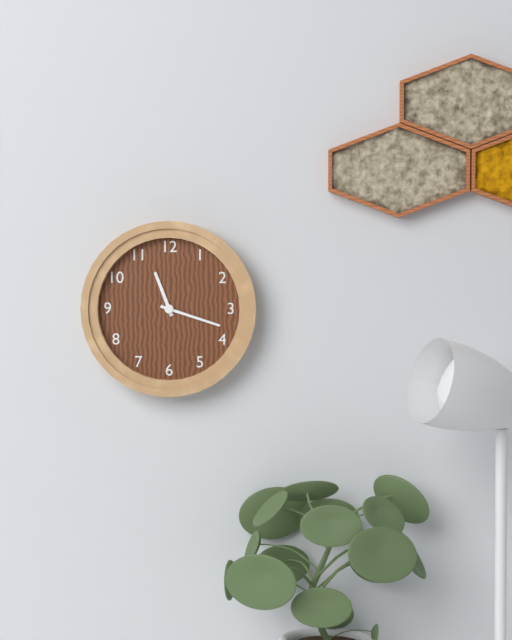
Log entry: **11:18**
